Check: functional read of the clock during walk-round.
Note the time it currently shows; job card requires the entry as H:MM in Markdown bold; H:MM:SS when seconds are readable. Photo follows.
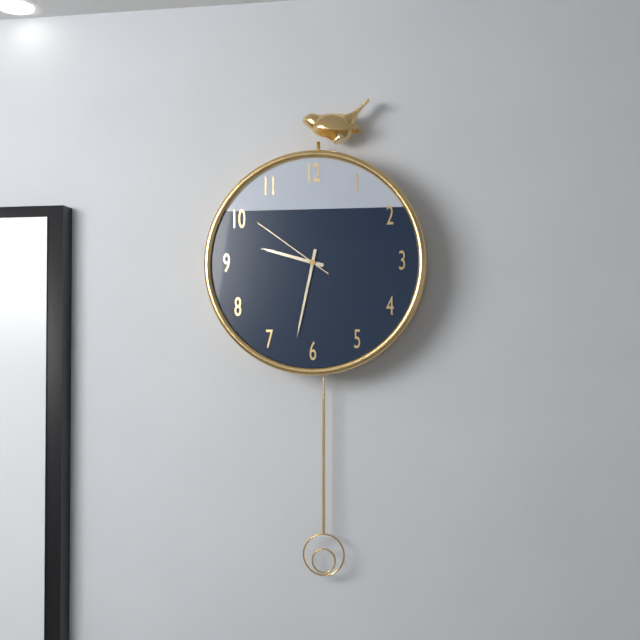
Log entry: **9:32:51**
